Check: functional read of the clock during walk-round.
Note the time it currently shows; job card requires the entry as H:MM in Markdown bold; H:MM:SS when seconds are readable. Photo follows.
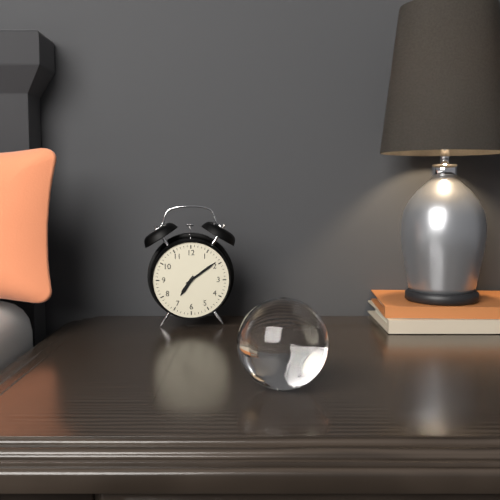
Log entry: **7:09**
